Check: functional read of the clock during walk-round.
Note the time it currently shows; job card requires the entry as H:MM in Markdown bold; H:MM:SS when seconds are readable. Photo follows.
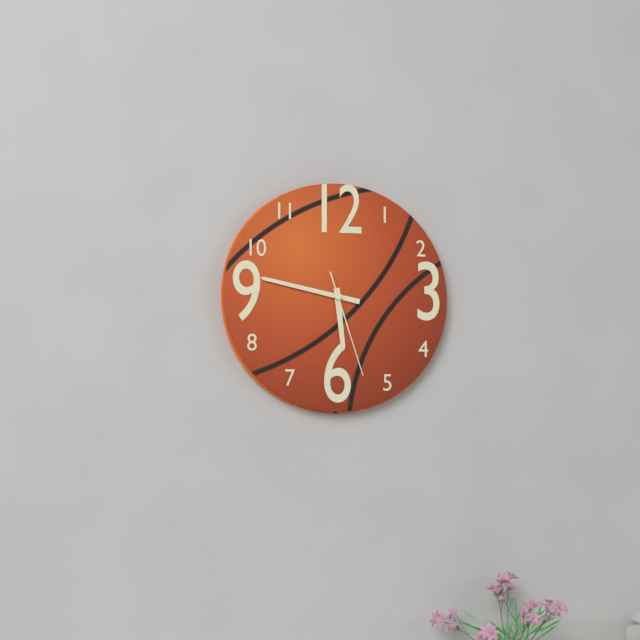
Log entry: **5:47:27**
